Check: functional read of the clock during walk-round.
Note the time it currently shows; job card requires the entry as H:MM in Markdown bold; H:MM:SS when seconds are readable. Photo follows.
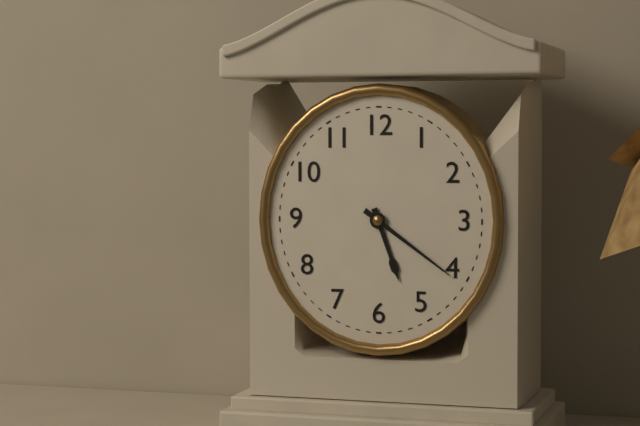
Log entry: **5:21**
